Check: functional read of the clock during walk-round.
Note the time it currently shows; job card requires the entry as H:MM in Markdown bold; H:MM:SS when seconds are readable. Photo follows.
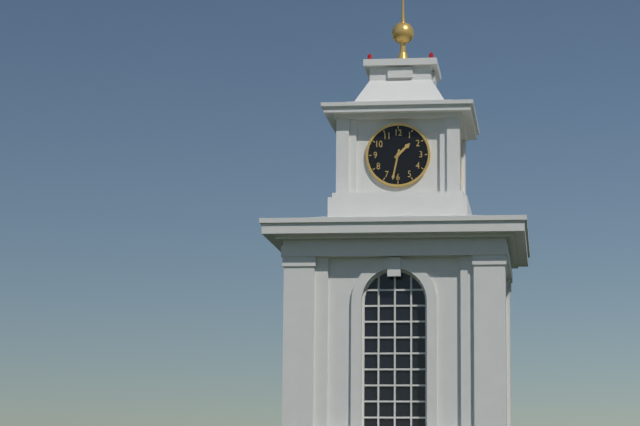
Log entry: **1:32**
